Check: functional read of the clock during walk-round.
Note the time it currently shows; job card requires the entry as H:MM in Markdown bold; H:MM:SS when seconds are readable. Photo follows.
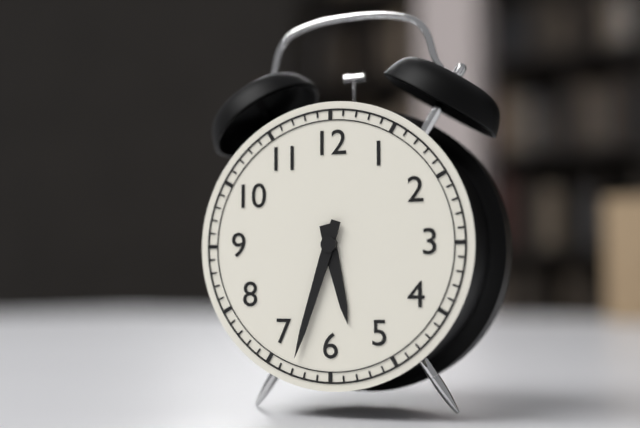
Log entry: **5:33**
